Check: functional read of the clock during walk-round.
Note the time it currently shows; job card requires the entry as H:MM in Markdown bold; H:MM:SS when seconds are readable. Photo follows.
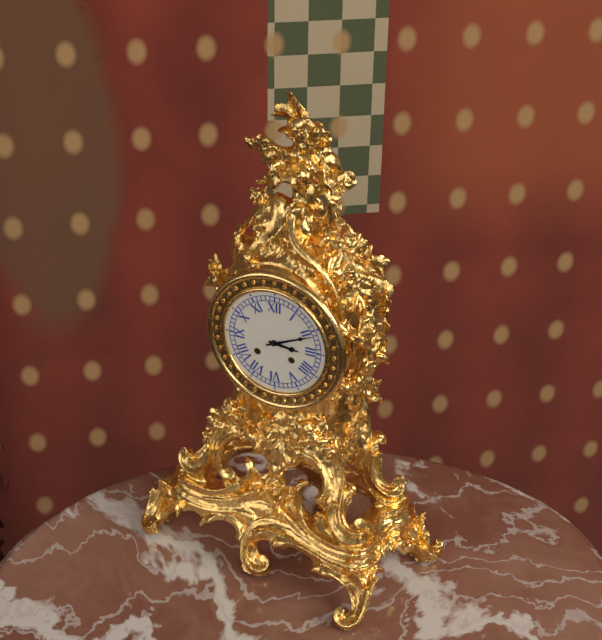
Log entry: **3:11**
